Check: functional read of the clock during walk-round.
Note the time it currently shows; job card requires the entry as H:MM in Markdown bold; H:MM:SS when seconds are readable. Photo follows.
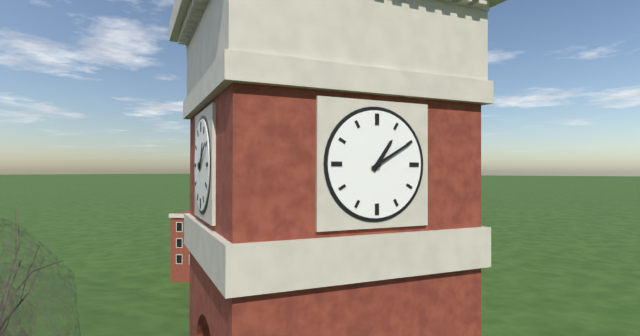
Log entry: **1:10**
